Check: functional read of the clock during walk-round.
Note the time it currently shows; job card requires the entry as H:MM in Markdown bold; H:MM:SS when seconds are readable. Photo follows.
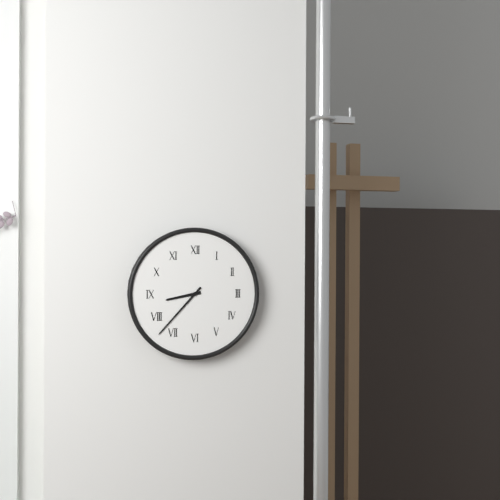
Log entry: **8:37**
